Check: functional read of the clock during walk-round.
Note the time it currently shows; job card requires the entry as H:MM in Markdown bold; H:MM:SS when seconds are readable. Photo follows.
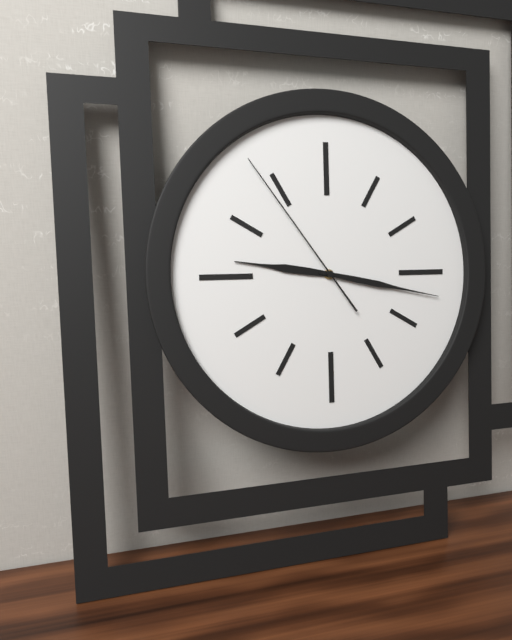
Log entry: **9:17:54**
